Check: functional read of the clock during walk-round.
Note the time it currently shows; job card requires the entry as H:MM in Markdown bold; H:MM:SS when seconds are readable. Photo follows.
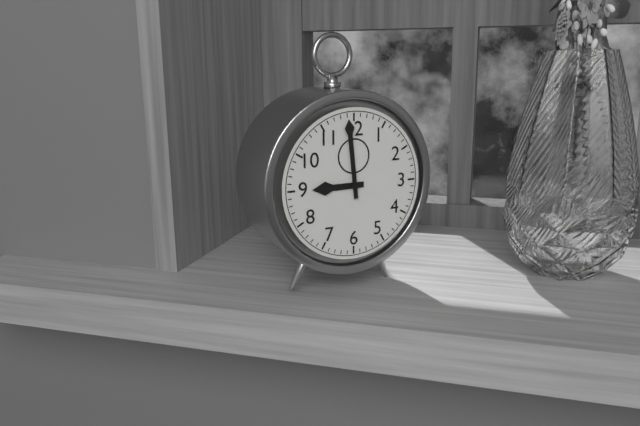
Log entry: **8:59**
